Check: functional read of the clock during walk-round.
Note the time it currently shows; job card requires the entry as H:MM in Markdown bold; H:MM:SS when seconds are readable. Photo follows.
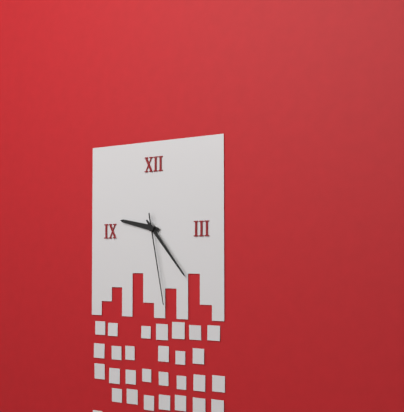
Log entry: **9:23:28**
